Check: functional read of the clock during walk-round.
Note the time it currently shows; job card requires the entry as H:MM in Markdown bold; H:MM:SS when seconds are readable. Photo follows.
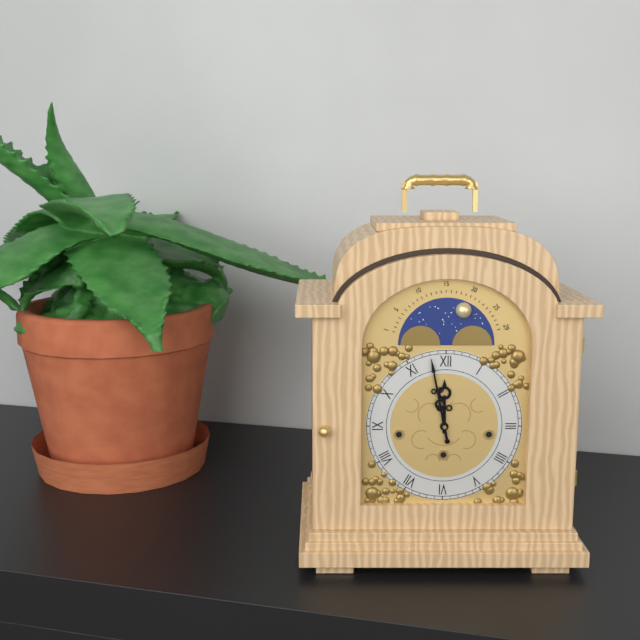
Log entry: **11:58**
